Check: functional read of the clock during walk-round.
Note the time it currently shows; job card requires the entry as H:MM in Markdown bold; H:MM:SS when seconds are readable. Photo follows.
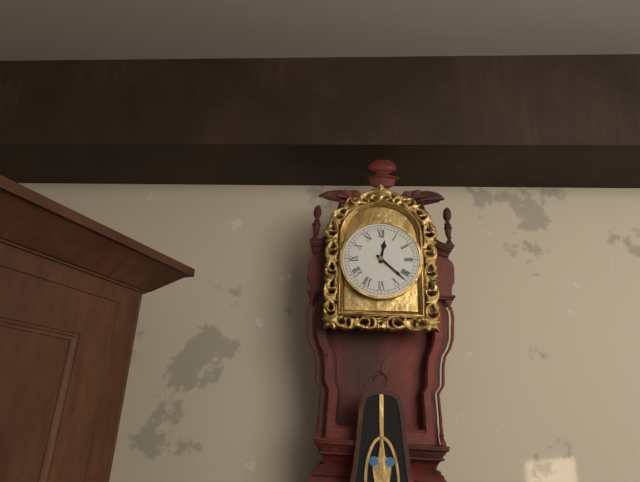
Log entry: **12:22**
